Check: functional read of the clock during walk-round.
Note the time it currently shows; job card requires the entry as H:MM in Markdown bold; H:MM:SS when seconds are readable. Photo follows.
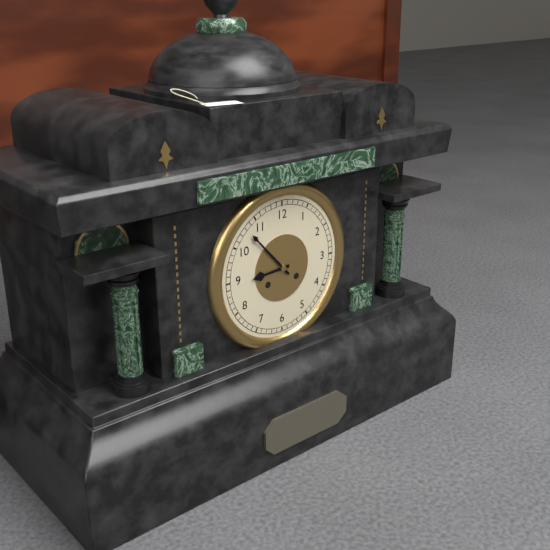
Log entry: **8:53**
